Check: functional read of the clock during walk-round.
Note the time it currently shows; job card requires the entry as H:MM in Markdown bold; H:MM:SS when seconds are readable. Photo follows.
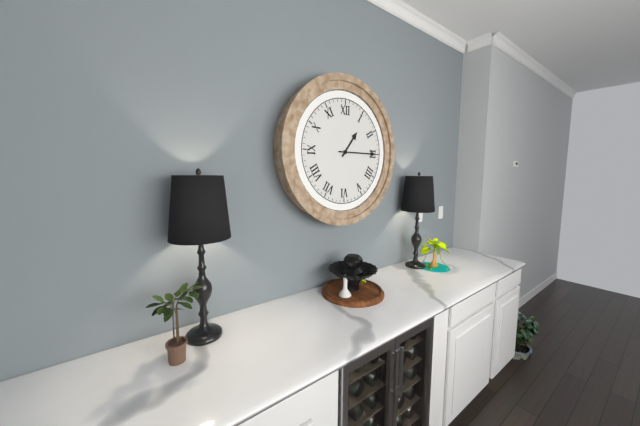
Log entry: **1:15**
